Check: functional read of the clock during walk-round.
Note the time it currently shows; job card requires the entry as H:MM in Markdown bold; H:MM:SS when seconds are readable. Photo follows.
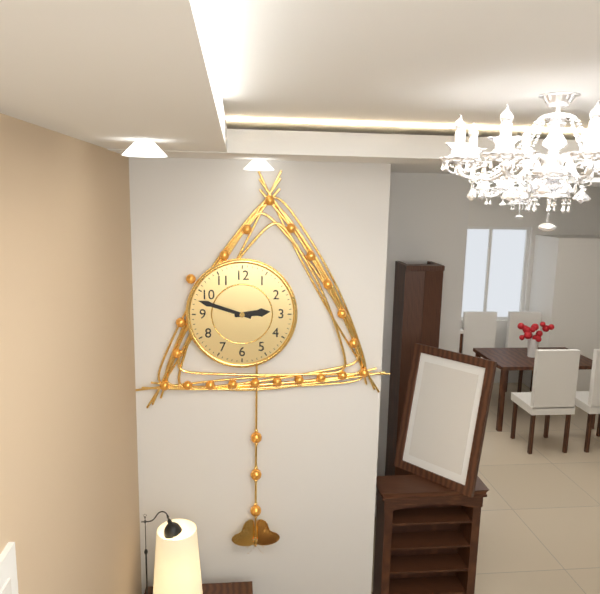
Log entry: **2:48**
